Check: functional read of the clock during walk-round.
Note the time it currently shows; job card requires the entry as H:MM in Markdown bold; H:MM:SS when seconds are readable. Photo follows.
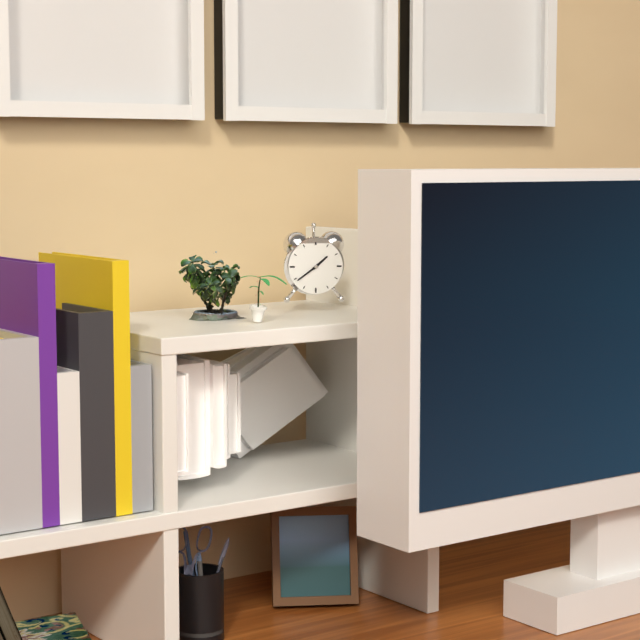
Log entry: **1:39**
